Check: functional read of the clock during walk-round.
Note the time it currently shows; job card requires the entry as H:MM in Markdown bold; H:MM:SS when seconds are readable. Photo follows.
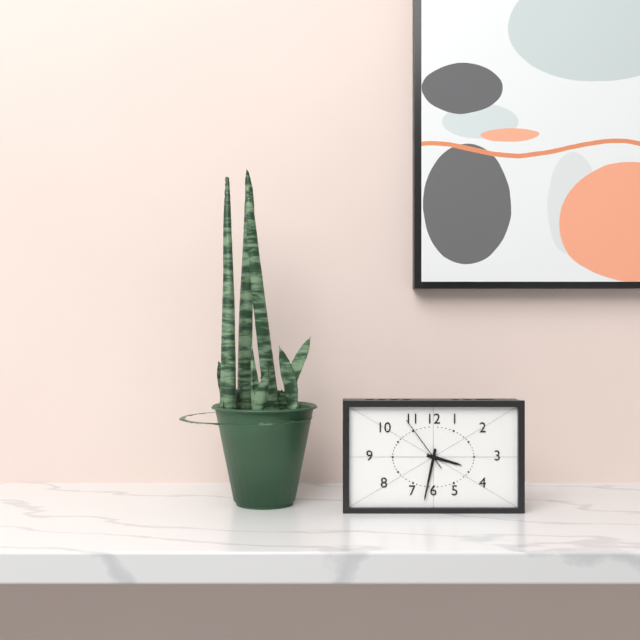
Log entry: **3:32:54**
